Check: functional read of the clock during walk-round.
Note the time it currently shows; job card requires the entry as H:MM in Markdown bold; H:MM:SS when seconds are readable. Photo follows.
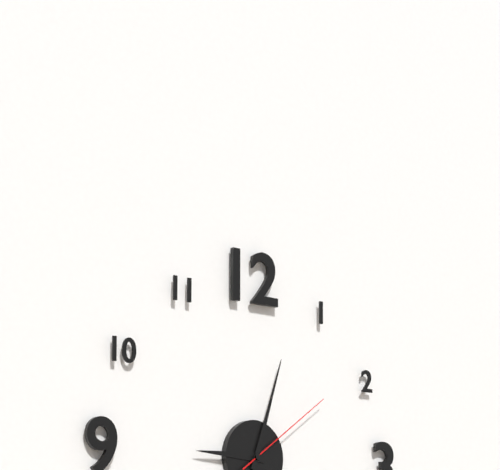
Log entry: **9:03:09**
